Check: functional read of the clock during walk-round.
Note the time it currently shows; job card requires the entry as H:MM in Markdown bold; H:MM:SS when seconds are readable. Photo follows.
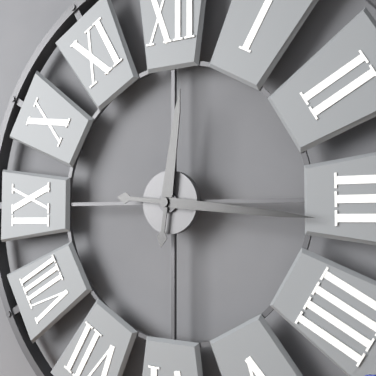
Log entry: **12:16**
